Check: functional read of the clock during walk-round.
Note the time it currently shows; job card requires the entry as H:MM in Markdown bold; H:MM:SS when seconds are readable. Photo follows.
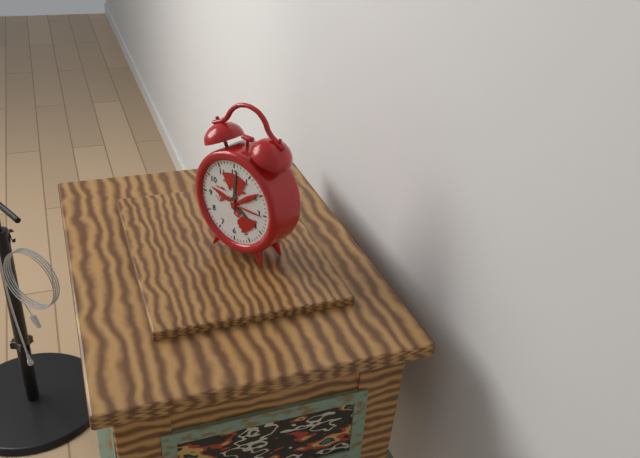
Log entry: **4:01**
